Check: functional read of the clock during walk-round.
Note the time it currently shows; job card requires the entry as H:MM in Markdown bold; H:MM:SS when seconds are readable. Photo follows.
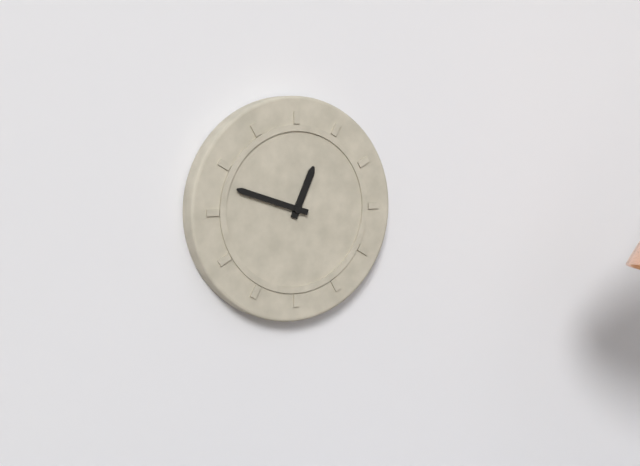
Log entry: **12:48**
